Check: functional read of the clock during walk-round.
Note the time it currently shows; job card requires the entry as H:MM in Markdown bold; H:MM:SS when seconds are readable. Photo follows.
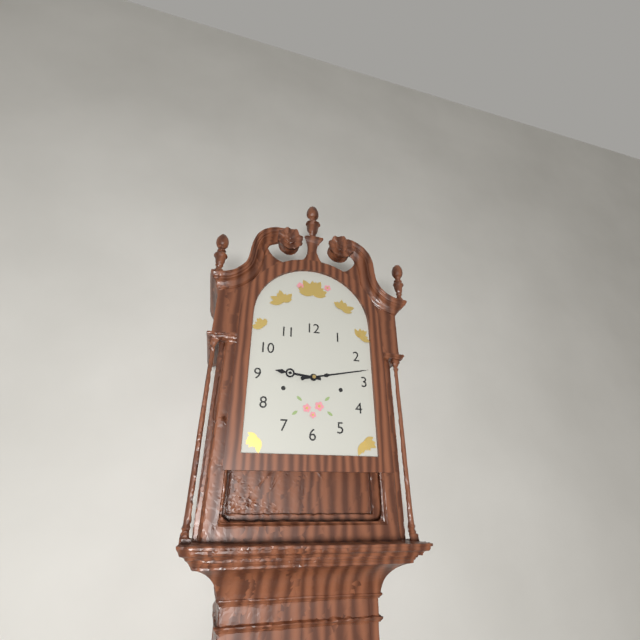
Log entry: **9:13**
